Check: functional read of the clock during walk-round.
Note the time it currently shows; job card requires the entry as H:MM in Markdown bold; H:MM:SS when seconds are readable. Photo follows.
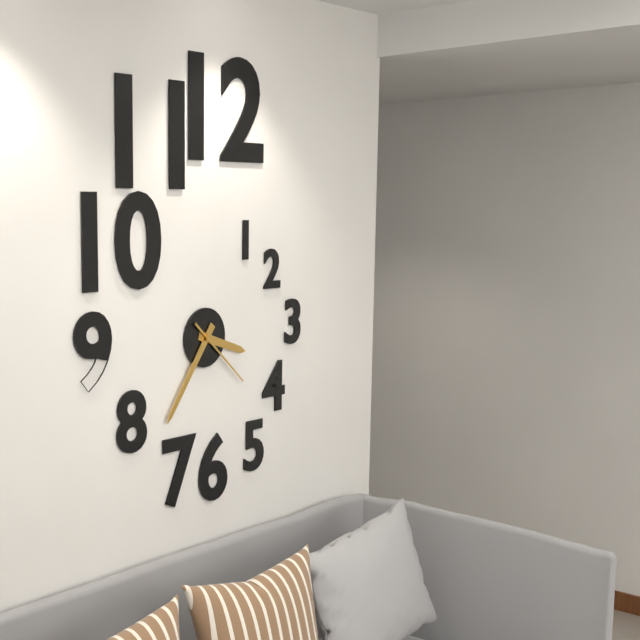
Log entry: **3:36:22**
